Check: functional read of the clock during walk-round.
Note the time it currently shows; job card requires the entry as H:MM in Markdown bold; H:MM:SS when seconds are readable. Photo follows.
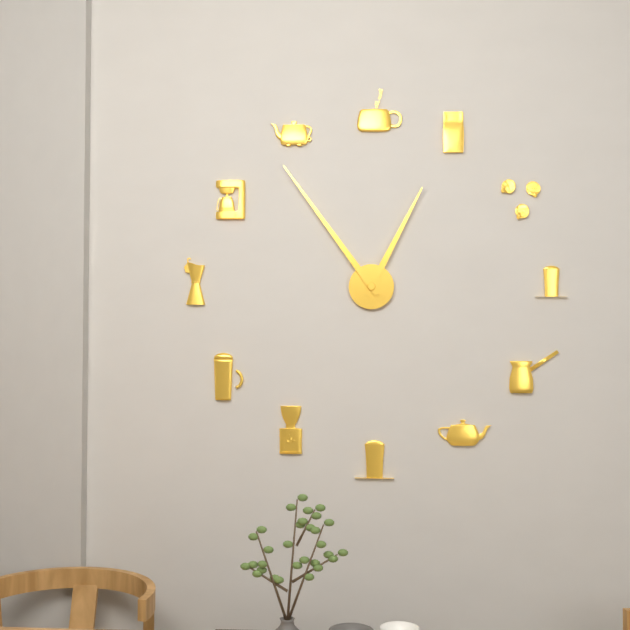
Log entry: **12:54**
